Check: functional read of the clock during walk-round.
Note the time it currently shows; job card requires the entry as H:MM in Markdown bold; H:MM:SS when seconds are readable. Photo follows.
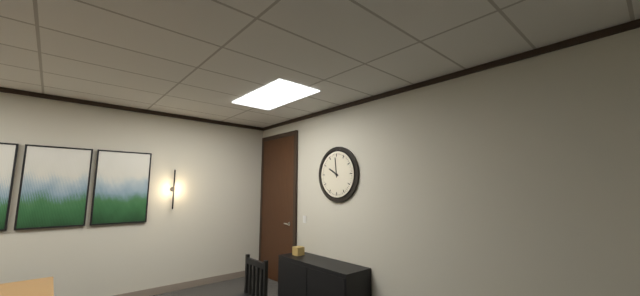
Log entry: **9:59**
